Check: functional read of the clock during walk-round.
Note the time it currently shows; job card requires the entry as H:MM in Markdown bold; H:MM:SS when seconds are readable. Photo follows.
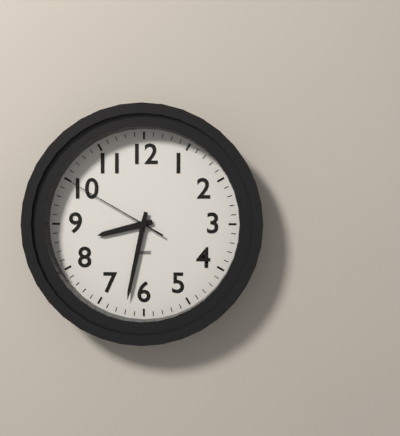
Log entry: **8:32:50**
